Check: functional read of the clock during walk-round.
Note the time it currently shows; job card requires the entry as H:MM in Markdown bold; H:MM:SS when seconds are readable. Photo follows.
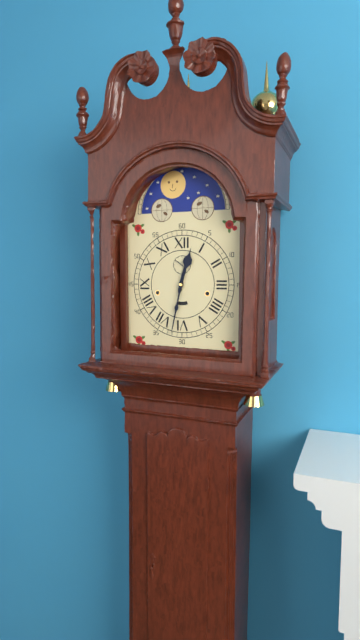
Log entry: **12:32**
